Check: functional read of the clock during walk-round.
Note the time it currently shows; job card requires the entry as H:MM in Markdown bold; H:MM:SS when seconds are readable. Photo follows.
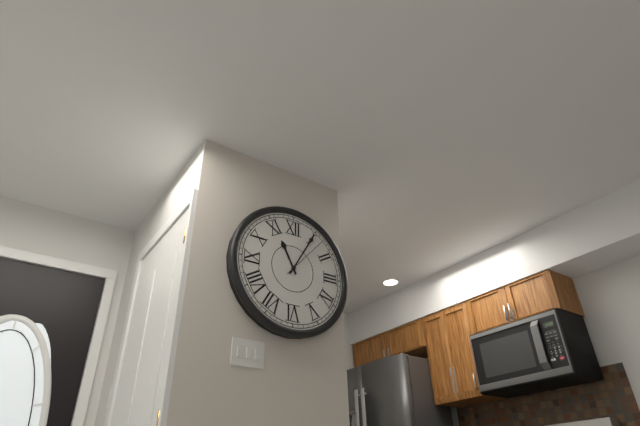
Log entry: **11:05:07**
